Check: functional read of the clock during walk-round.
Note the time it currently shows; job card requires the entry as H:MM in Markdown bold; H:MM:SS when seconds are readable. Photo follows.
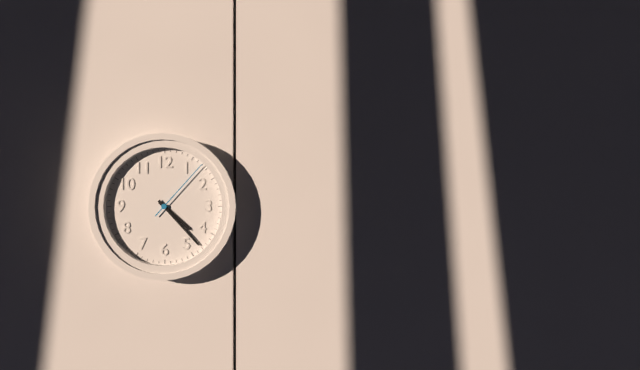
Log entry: **4:23:07**
